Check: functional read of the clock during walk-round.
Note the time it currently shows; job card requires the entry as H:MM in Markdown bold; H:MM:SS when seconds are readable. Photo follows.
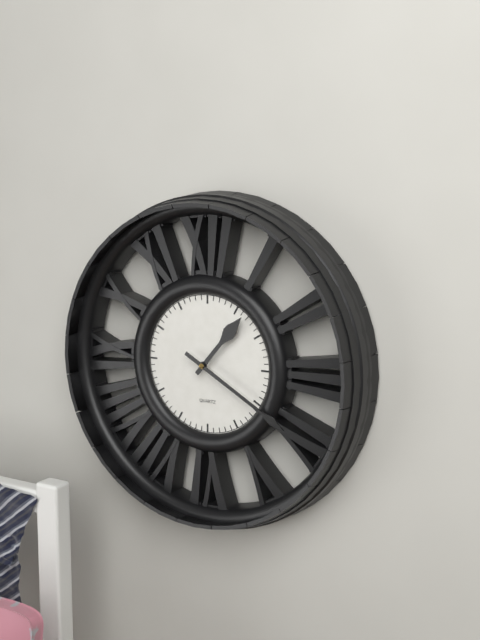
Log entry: **1:20**
